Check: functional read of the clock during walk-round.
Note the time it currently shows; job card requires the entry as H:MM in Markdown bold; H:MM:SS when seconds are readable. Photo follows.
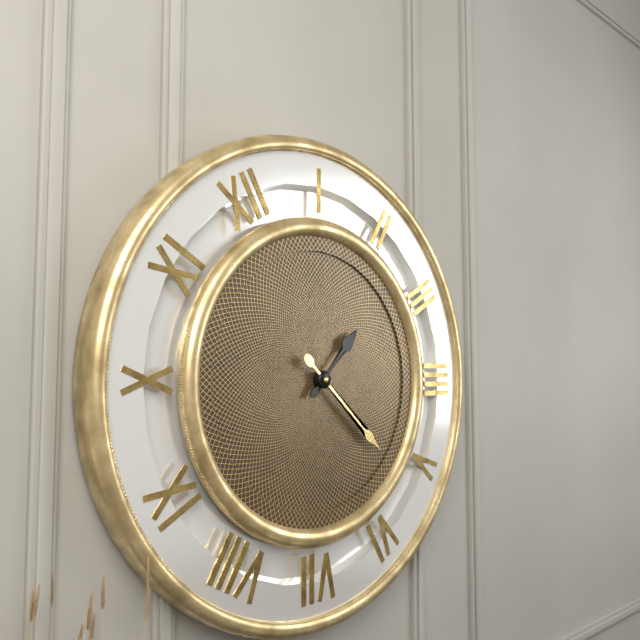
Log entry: **2:27**
